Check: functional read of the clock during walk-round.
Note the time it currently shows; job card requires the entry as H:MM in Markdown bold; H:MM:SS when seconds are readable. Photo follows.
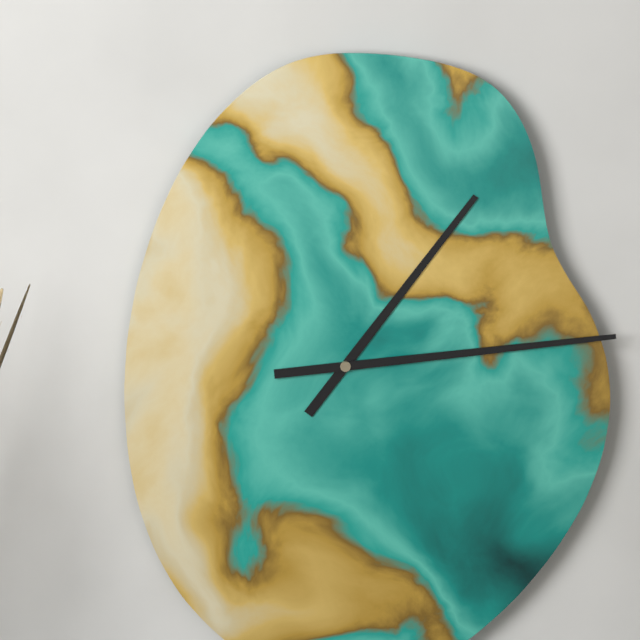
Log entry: **1:14**
